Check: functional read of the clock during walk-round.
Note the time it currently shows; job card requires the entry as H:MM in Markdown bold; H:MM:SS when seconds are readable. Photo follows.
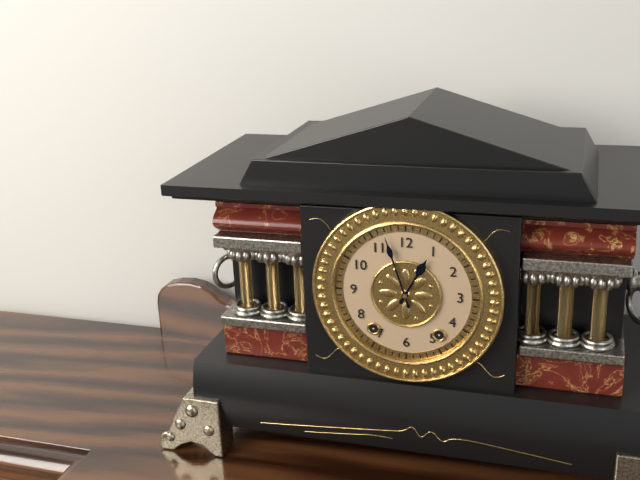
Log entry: **12:57**
